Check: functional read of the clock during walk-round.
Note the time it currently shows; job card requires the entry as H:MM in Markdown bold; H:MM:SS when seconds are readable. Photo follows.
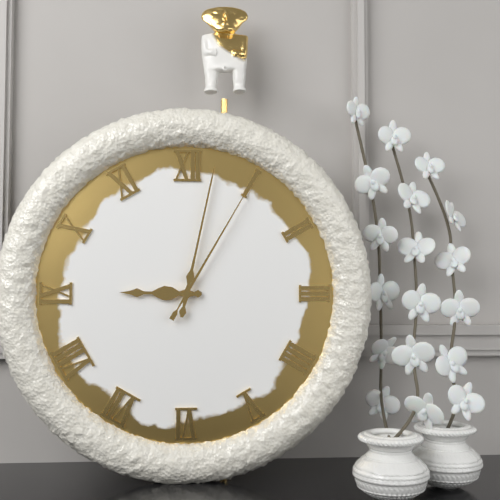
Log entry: **9:02:05**
